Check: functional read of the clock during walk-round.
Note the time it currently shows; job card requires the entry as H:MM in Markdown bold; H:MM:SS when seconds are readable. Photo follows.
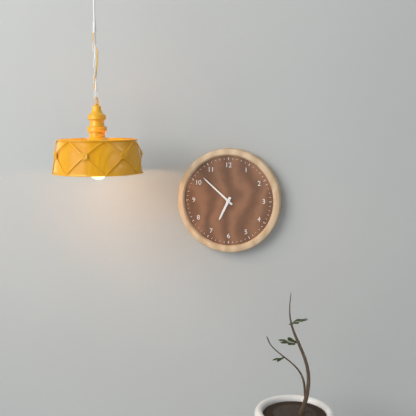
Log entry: **6:52**
